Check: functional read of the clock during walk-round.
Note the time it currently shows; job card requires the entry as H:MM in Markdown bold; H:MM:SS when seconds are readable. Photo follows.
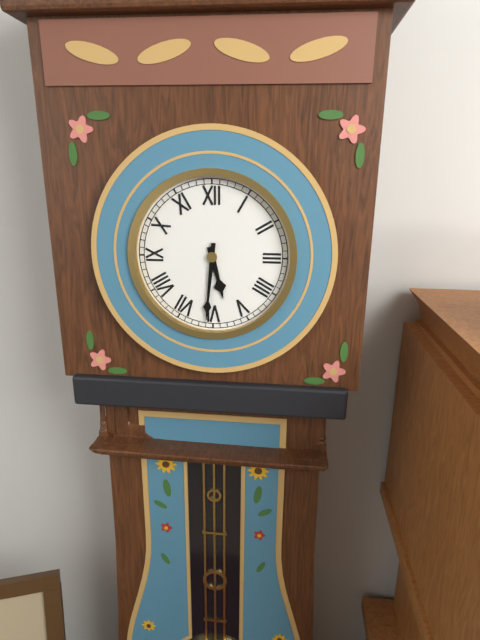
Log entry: **5:31**
